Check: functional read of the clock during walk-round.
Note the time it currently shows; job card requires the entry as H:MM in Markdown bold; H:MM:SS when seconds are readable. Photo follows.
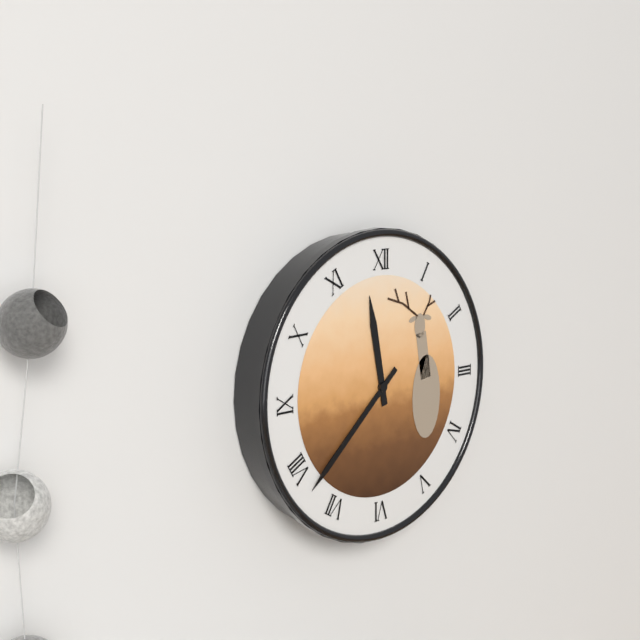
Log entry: **11:38**
